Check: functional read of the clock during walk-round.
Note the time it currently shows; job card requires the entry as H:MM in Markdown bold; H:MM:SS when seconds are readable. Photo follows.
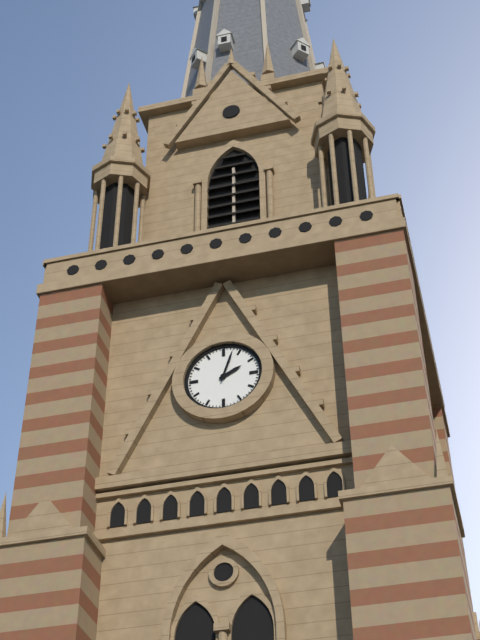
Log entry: **2:03**
